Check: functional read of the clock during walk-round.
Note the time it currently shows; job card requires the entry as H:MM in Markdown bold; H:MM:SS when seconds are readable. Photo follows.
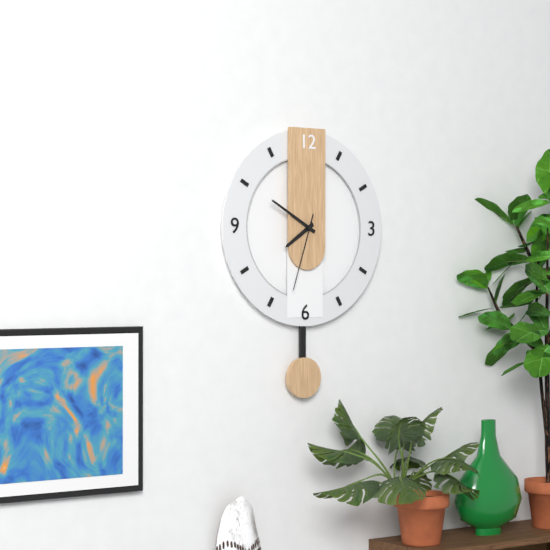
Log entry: **7:50:33**
